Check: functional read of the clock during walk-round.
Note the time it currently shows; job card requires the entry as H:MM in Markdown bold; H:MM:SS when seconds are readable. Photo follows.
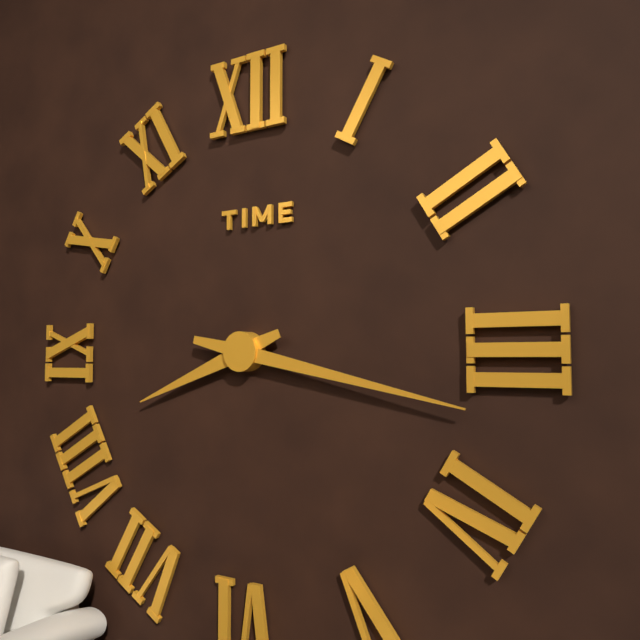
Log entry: **8:17**
